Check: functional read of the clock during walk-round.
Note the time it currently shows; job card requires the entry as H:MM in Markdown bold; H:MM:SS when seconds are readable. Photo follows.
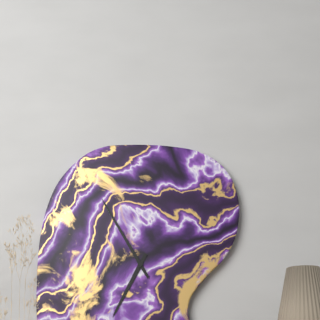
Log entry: **6:55**
